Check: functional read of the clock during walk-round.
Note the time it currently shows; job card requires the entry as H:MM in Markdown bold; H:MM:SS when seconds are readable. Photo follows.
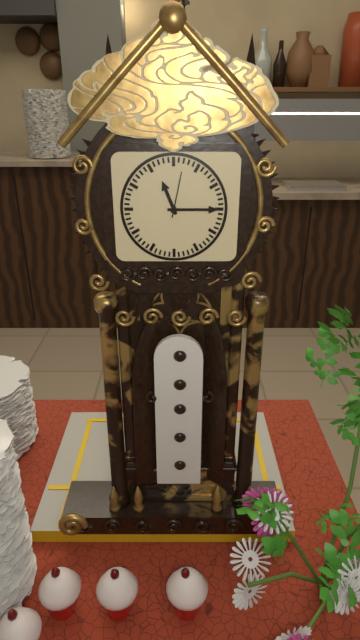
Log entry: **11:15:02**
